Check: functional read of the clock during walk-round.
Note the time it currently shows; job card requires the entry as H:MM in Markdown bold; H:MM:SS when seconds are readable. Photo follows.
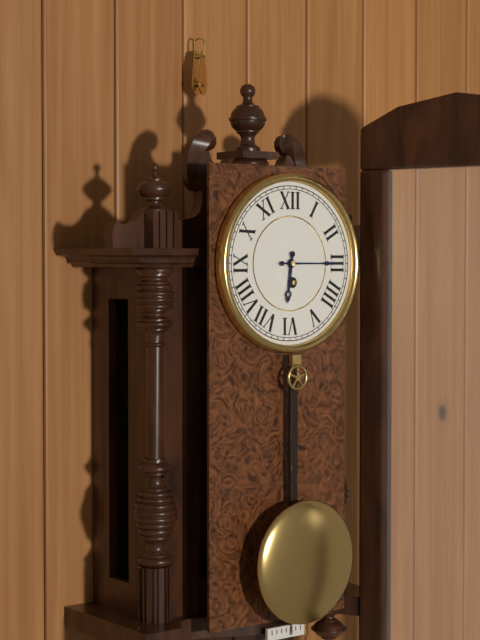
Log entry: **6:15**
